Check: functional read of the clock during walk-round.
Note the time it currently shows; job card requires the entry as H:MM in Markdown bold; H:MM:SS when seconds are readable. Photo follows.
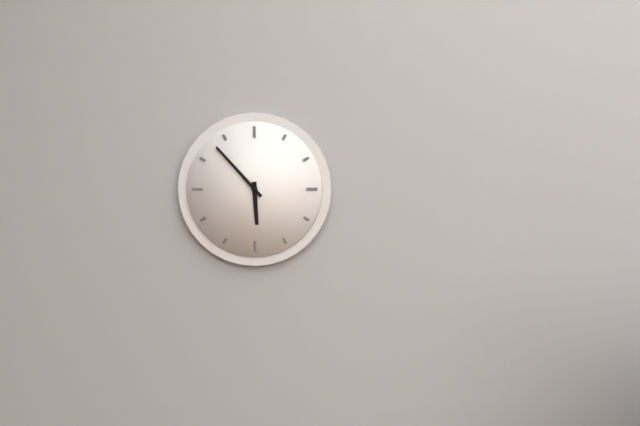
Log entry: **5:53**
